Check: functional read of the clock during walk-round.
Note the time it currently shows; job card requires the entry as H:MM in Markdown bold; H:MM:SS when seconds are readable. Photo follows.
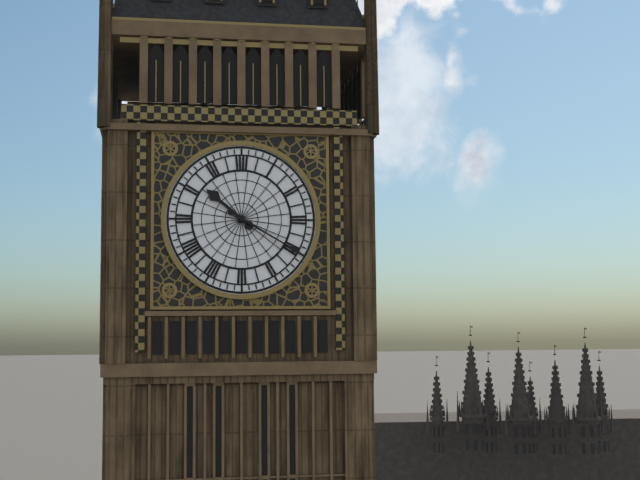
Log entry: **10:20**
